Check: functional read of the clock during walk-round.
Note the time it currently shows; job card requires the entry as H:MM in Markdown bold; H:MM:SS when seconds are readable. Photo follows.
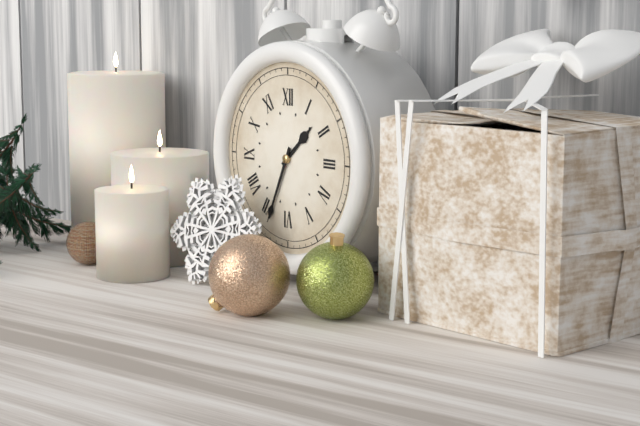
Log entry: **1:34**
